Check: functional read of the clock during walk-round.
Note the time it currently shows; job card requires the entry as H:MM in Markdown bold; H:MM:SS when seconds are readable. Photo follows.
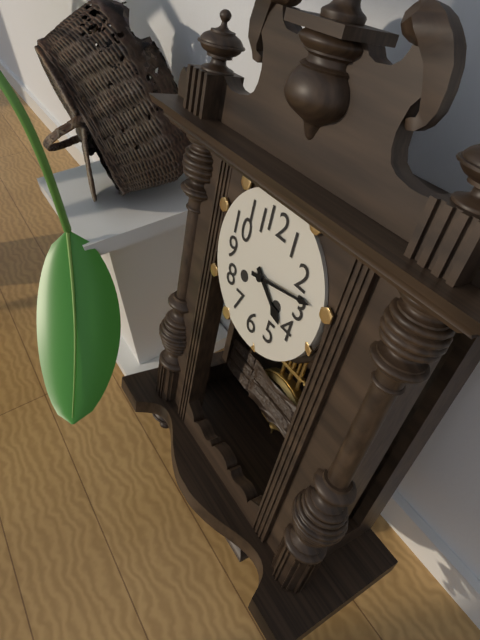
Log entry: **4:13**
